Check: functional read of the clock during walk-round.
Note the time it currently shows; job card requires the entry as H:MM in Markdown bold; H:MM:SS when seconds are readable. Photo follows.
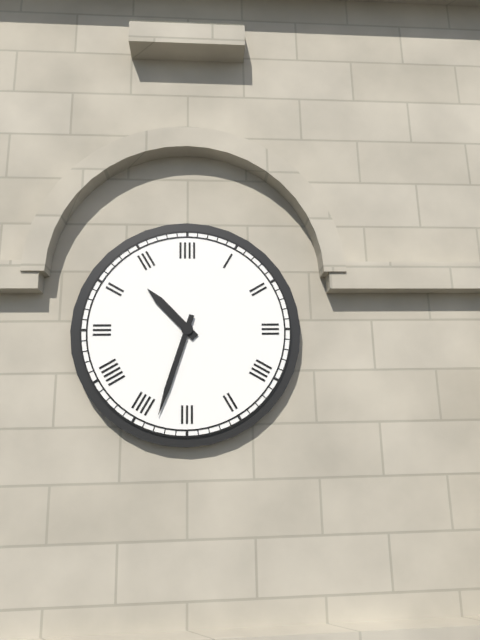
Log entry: **10:33**
